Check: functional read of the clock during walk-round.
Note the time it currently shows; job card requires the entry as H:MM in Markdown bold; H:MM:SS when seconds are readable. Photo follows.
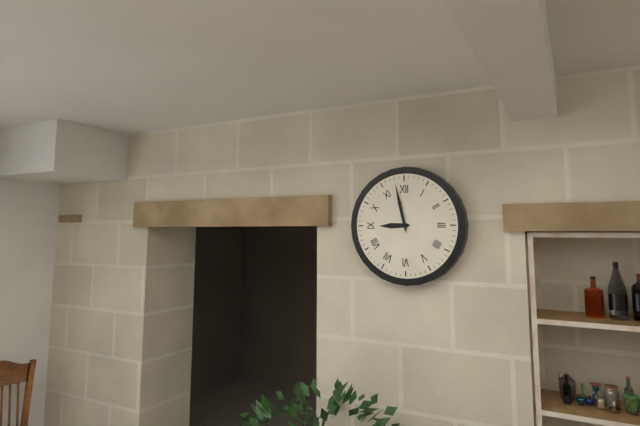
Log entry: **8:58**
